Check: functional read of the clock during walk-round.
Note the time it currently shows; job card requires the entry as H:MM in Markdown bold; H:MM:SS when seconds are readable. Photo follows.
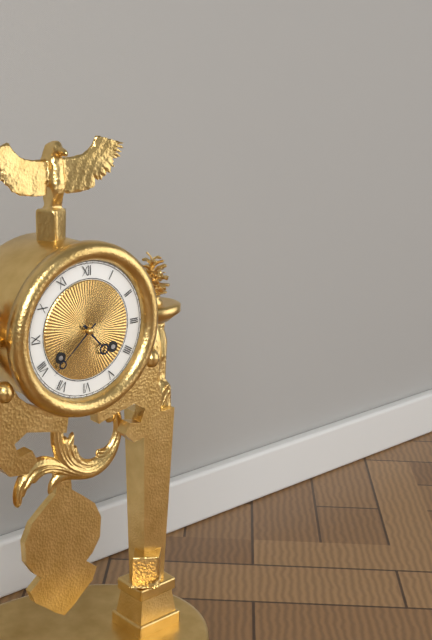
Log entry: **4:38**
